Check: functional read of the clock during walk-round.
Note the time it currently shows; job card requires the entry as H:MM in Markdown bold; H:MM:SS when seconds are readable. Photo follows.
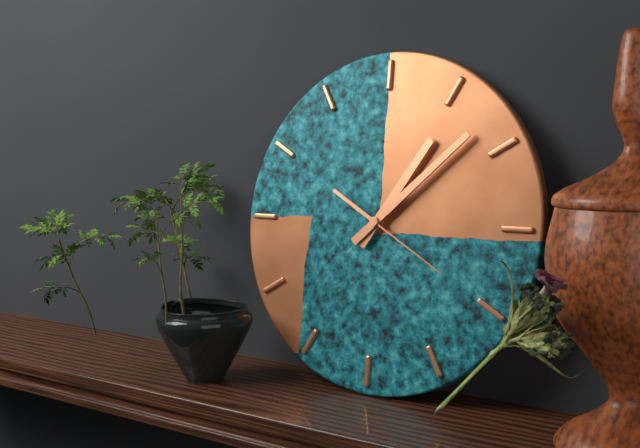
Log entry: **1:08:20**
